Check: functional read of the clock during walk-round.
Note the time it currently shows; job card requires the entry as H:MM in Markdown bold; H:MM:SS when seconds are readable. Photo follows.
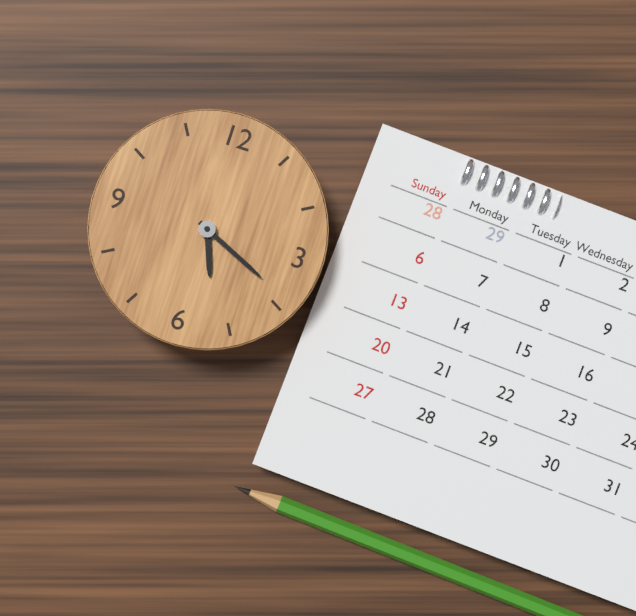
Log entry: **5:19**
